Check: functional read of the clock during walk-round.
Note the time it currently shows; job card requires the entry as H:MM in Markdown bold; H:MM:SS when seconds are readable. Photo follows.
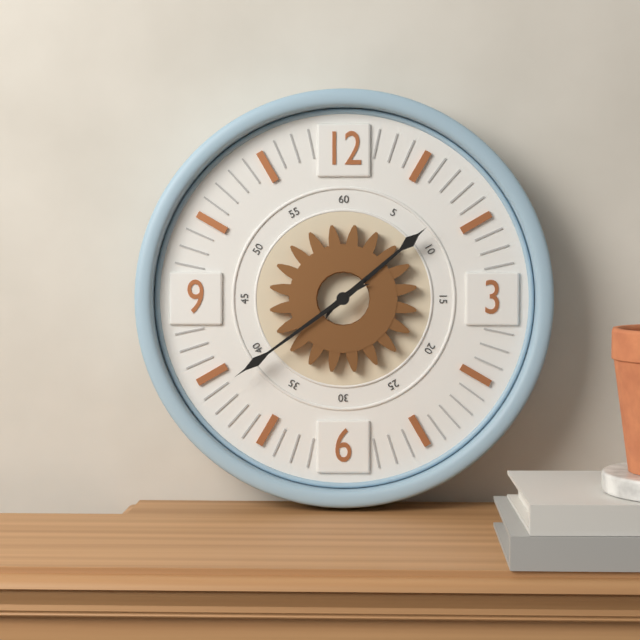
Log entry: **1:39**
